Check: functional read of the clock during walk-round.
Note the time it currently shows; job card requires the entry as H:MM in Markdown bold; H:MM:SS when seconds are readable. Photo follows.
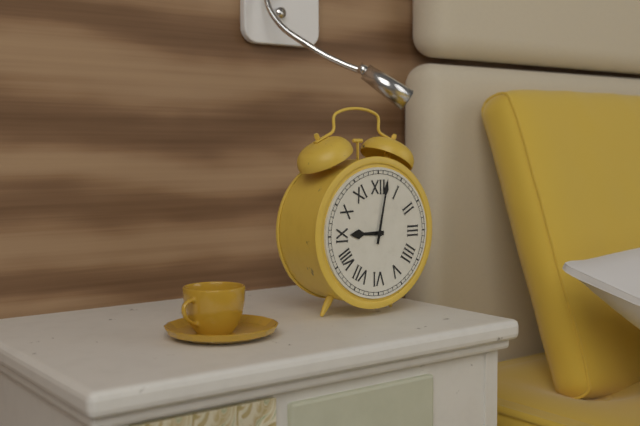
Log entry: **9:02**
